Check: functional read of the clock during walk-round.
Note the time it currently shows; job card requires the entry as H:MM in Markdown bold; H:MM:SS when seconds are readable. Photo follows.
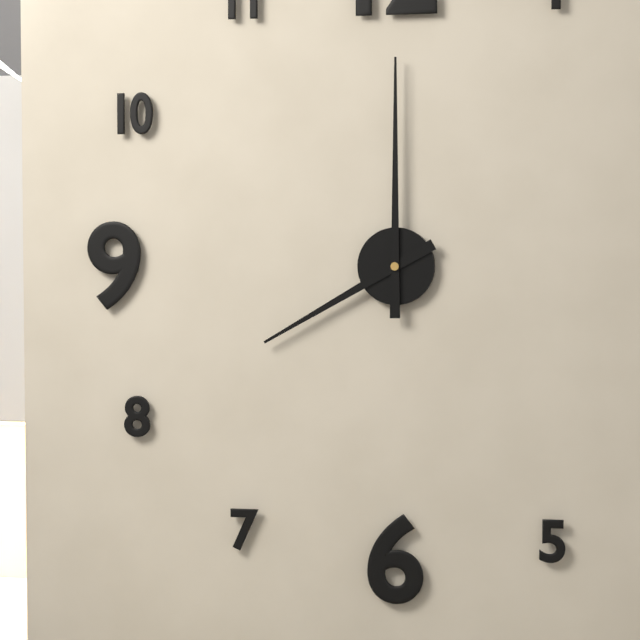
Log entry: **8:00**
